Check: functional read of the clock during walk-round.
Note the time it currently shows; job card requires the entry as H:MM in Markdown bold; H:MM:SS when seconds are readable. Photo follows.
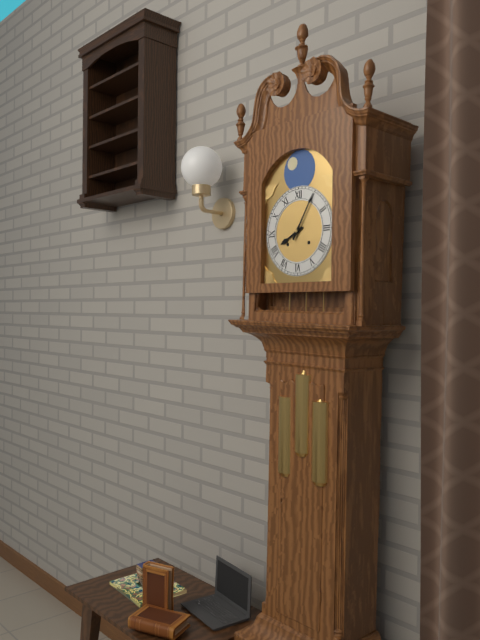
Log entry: **8:05**
